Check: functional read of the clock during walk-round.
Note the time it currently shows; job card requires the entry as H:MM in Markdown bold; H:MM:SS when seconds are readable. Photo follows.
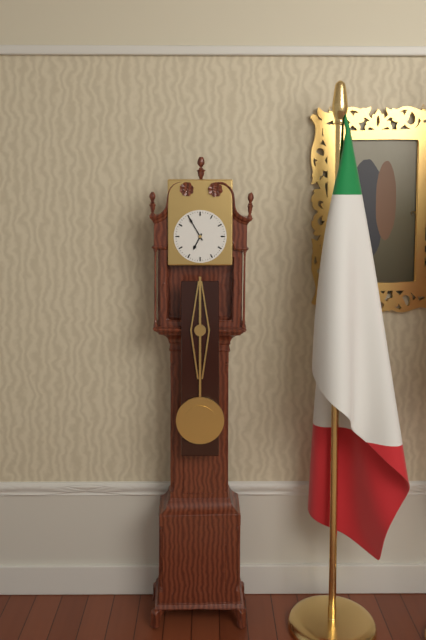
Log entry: **6:55**
